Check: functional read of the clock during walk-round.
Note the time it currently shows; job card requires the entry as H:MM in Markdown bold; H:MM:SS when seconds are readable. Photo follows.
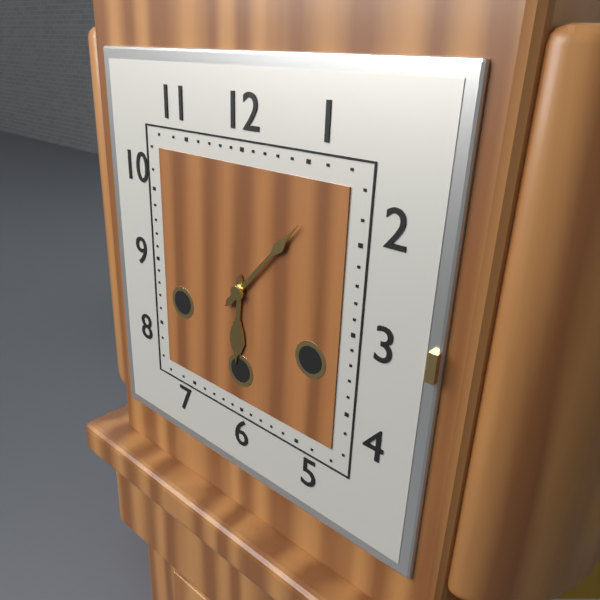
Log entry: **6:07**
